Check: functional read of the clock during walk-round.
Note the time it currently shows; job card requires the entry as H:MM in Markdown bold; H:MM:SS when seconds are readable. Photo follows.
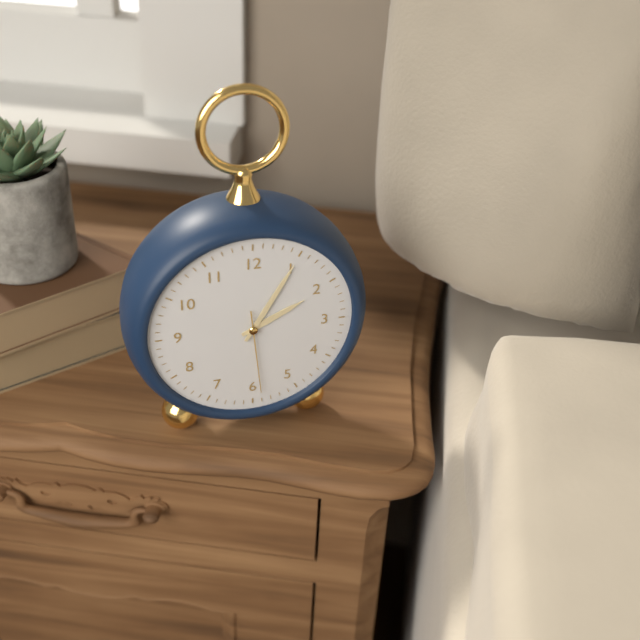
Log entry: **2:05:29**
